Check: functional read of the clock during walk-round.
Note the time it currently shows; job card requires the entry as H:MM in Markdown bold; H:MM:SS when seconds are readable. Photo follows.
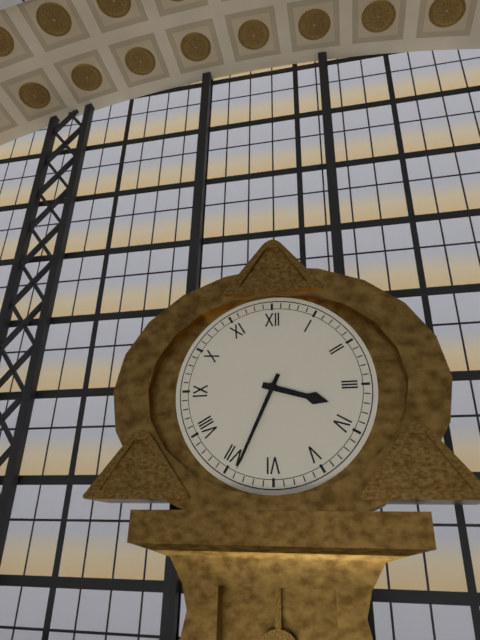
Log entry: **3:34**
